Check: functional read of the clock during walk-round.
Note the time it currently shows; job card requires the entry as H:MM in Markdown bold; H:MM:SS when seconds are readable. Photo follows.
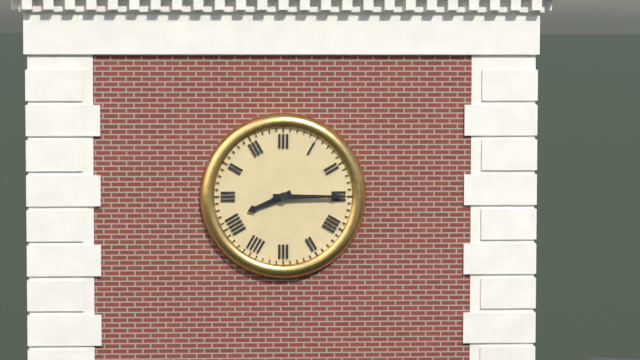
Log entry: **8:15**
